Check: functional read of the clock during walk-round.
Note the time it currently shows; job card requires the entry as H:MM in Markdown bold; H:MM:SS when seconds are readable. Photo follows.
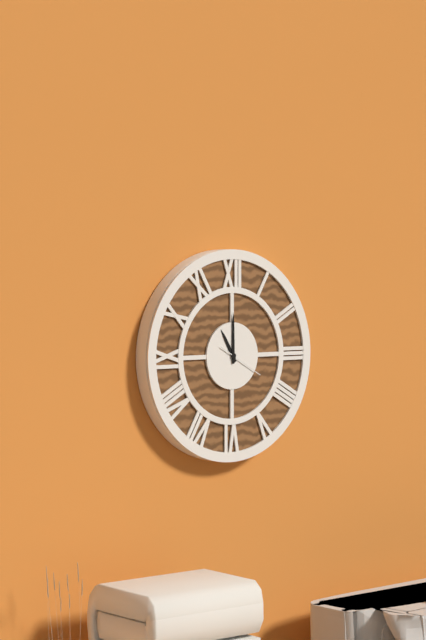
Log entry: **11:00:20**
